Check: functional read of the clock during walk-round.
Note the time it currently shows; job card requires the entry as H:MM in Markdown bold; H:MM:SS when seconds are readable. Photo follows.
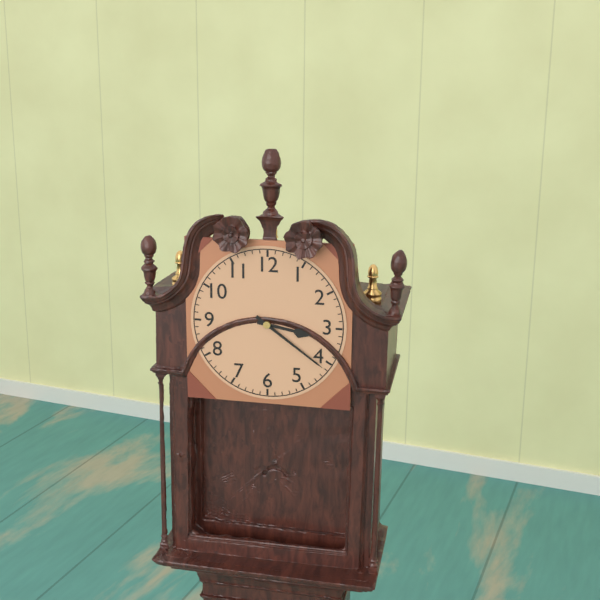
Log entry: **3:21**
